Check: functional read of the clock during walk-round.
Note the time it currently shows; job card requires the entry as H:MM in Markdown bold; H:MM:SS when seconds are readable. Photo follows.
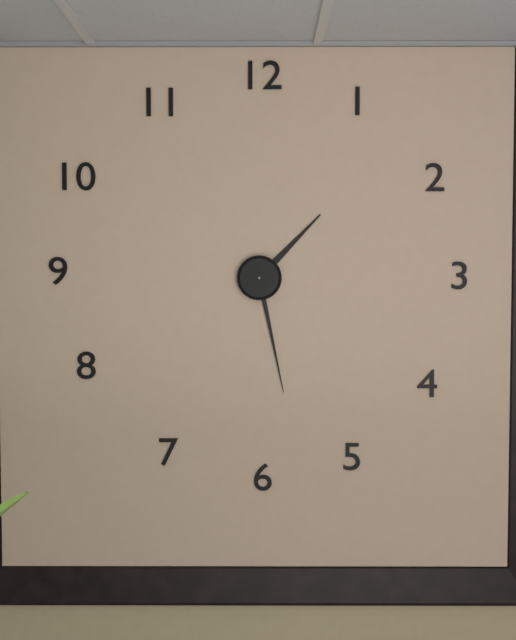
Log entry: **1:28**
